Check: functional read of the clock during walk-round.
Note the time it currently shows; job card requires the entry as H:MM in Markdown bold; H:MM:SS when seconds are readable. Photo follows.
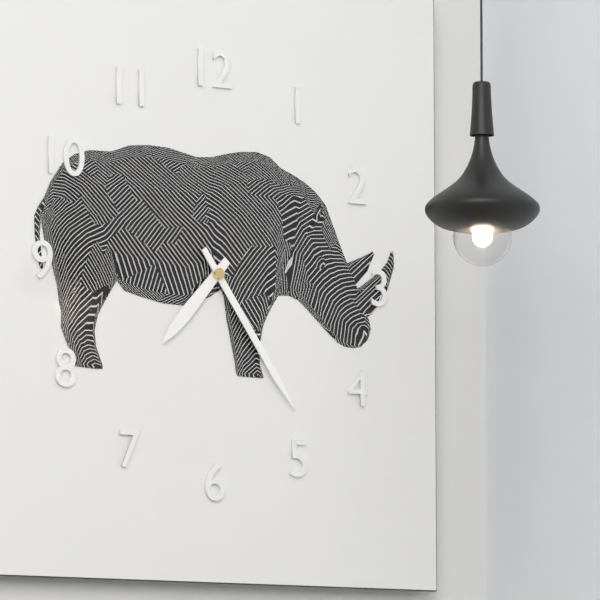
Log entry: **7:24**
